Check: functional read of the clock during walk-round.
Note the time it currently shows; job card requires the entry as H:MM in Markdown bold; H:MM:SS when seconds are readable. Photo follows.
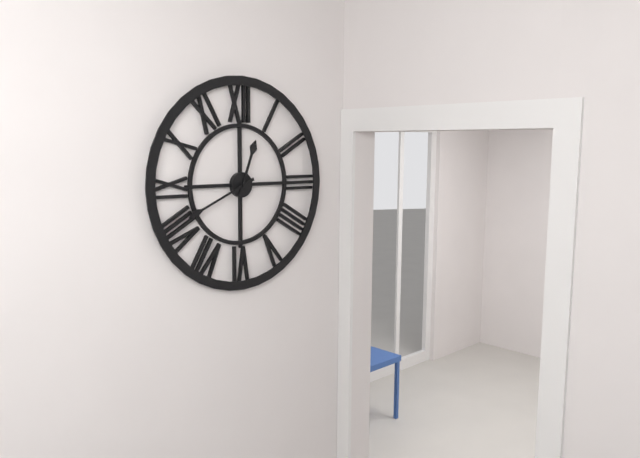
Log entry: **12:41**
